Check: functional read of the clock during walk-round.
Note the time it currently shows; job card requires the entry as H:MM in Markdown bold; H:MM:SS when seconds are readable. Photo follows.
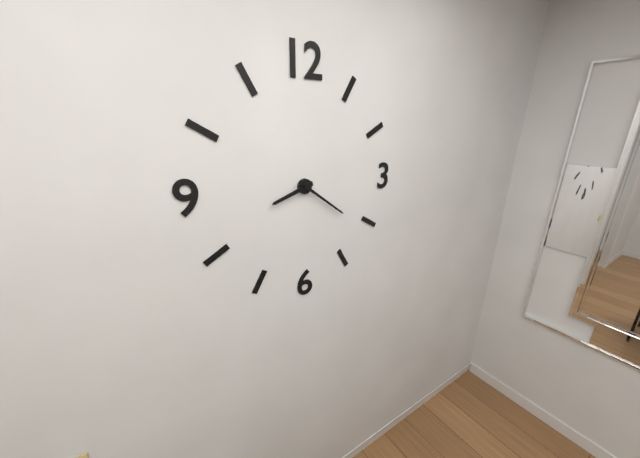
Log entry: **8:21**
